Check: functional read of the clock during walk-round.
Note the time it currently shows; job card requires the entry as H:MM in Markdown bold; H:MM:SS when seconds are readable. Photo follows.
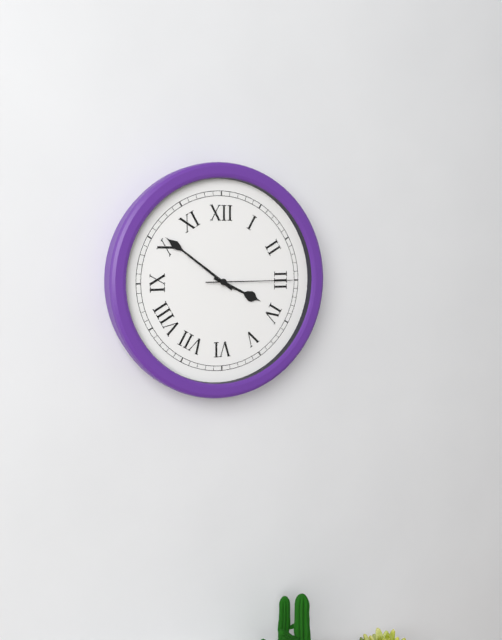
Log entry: **3:51:15**
